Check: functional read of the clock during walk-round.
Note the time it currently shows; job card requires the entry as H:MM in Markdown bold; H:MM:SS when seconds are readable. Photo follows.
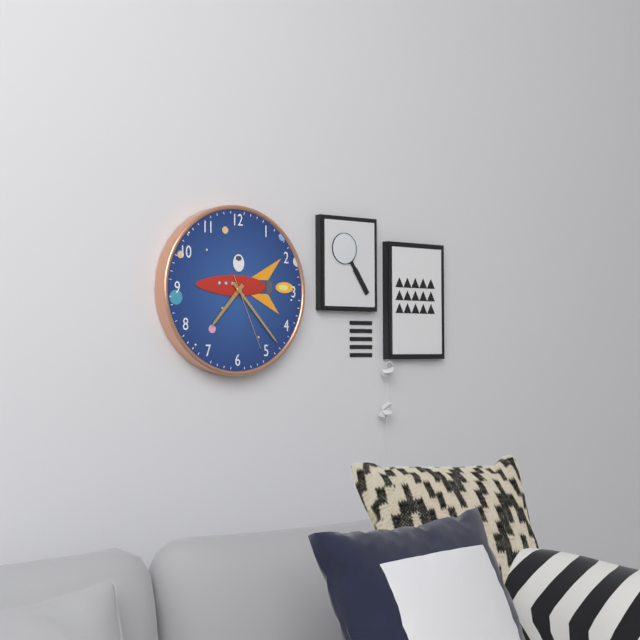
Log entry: **7:23:26**
